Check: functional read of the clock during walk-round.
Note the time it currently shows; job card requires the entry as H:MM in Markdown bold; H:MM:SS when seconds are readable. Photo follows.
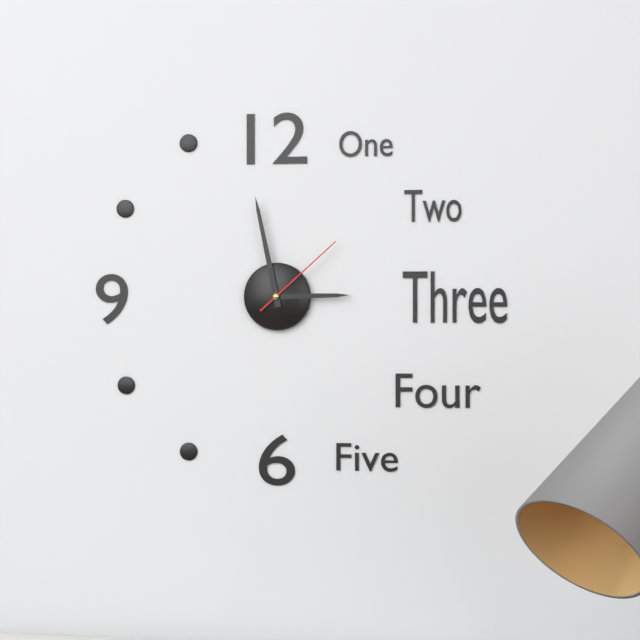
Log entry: **2:58:08**
